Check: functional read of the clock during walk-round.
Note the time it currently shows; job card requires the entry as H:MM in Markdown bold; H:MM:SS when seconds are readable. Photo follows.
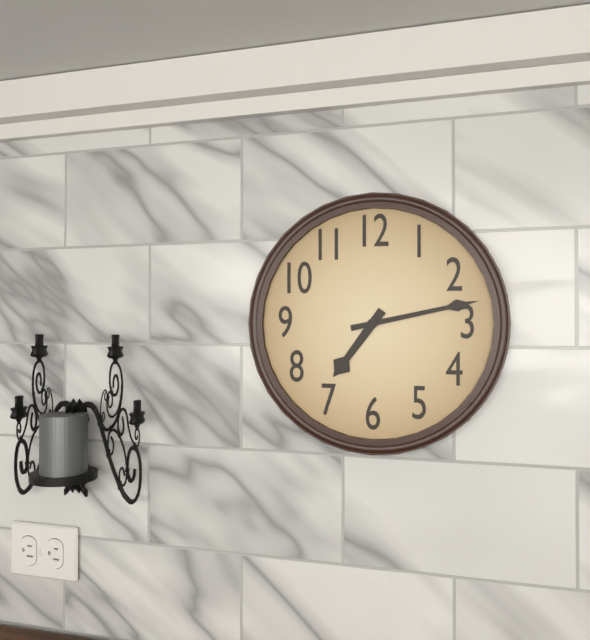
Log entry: **7:13**
